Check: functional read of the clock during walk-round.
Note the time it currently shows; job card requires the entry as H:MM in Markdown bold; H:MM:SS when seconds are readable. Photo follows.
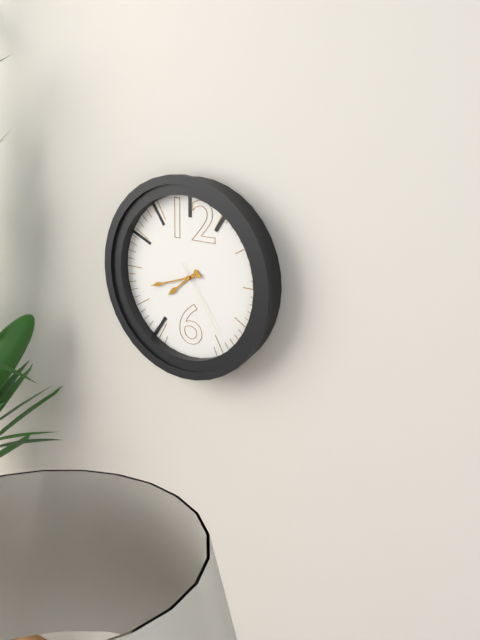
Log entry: **7:42:24**
